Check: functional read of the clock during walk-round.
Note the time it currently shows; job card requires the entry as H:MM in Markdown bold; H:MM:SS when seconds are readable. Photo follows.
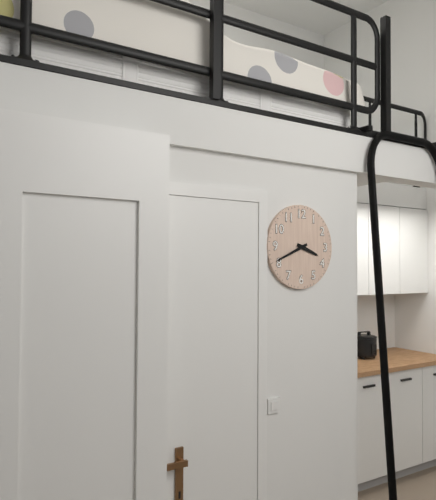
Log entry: **3:41**
